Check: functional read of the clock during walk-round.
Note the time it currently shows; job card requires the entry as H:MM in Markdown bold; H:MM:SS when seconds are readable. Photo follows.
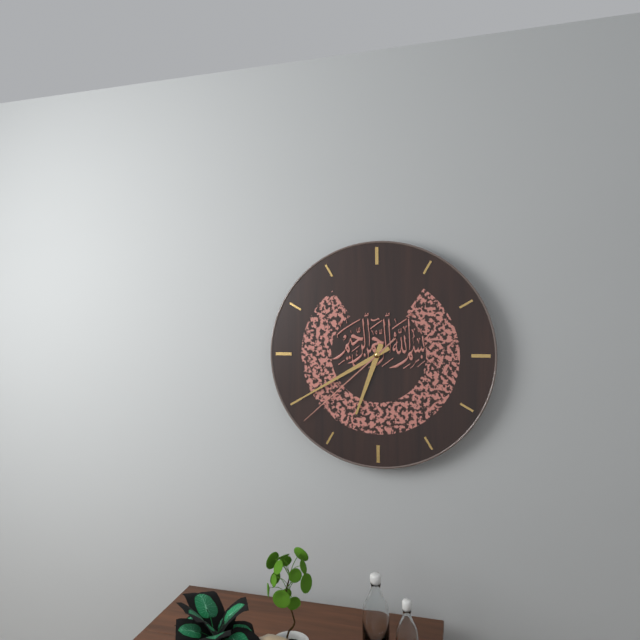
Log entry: **6:40:38**
